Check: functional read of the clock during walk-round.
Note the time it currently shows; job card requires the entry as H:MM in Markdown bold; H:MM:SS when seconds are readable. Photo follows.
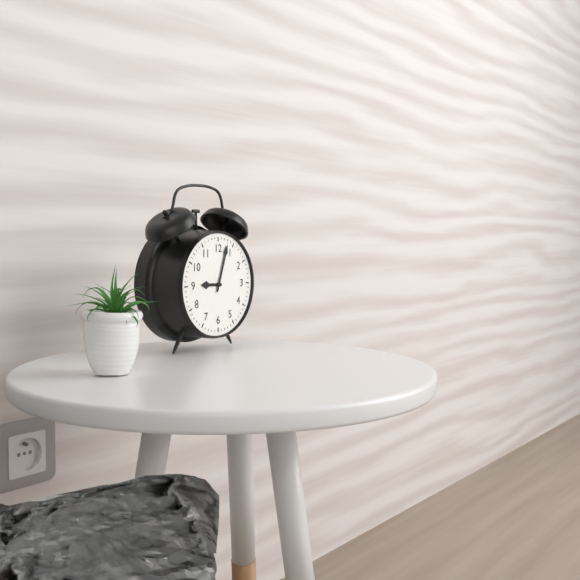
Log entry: **9:03**
